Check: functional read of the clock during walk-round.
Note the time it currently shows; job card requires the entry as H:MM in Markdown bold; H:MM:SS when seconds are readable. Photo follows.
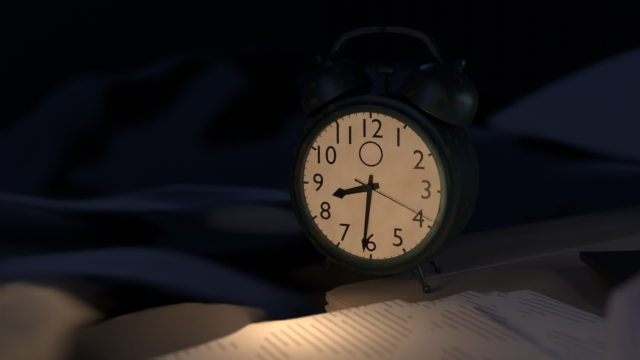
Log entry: **8:31:19**
